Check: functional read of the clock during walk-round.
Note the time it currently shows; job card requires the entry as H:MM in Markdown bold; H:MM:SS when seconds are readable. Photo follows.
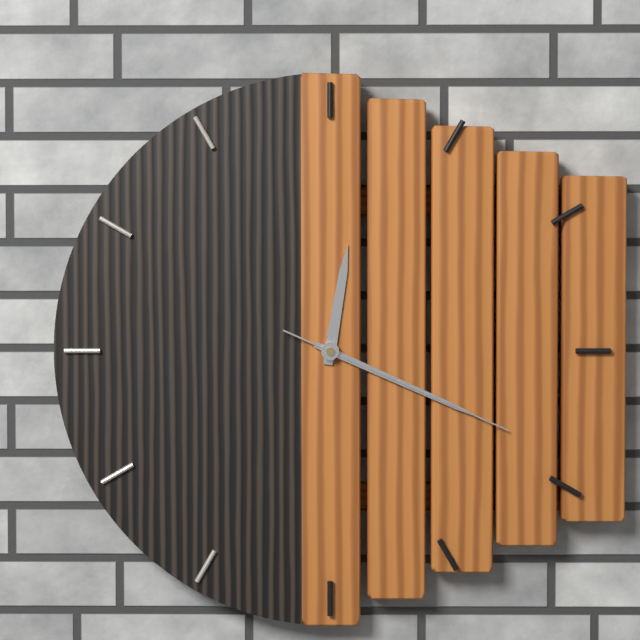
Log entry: **12:19:19**
